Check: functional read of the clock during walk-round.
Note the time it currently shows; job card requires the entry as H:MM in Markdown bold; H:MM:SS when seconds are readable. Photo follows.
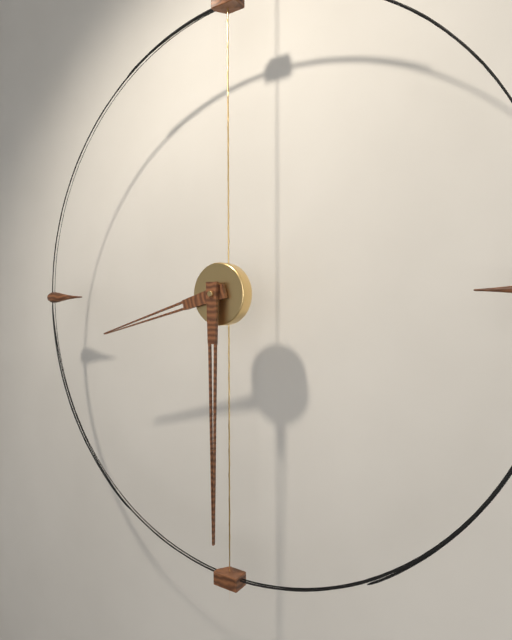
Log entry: **8:30**
